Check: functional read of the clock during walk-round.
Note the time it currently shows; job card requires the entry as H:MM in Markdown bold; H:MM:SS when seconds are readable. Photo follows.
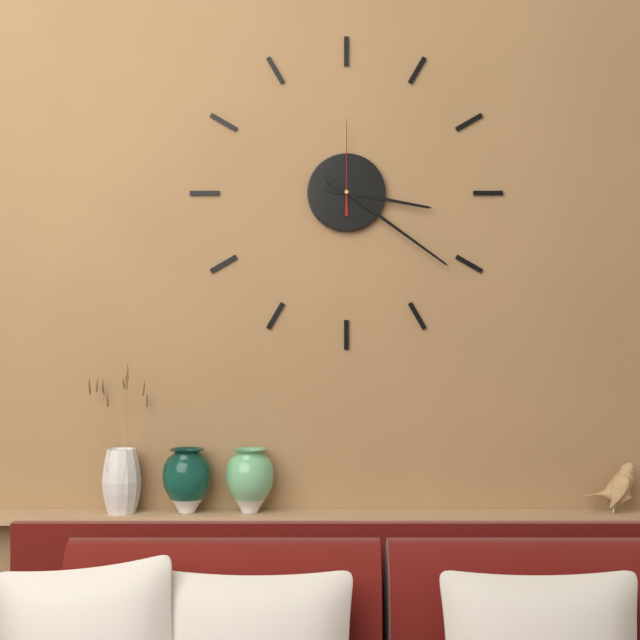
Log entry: **3:21:00**
